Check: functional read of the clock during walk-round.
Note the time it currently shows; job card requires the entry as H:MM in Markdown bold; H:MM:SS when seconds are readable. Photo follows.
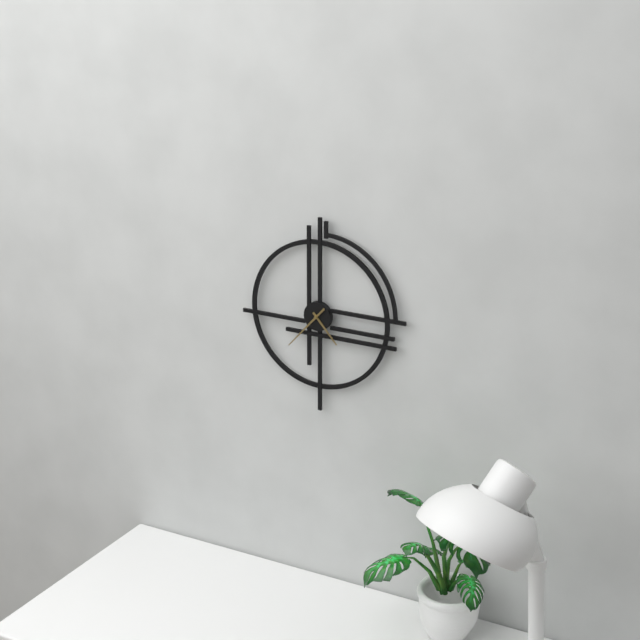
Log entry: **4:37**
